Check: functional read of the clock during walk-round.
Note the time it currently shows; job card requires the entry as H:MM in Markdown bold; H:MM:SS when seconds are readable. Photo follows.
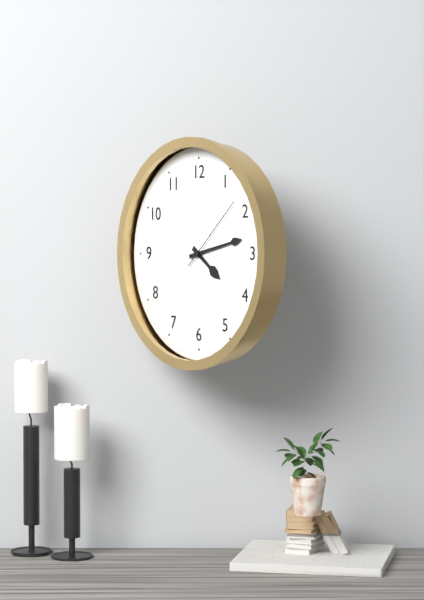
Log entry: **4:13:08**
